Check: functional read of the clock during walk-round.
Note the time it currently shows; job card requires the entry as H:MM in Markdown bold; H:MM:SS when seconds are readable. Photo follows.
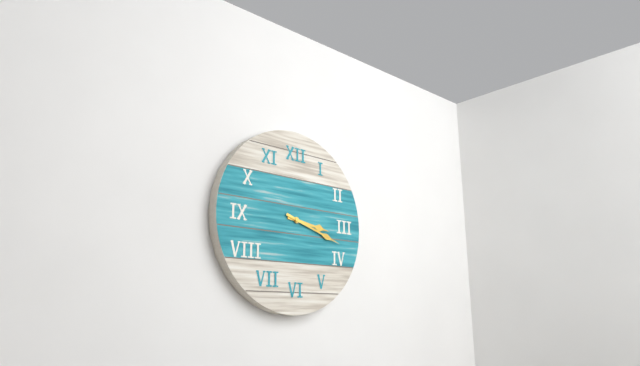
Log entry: **3:18**
